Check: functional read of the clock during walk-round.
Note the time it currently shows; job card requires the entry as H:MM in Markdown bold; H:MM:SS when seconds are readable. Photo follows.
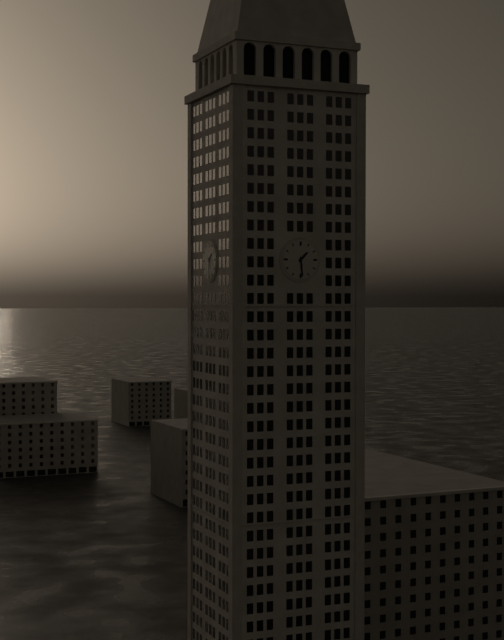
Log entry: **1:29**
